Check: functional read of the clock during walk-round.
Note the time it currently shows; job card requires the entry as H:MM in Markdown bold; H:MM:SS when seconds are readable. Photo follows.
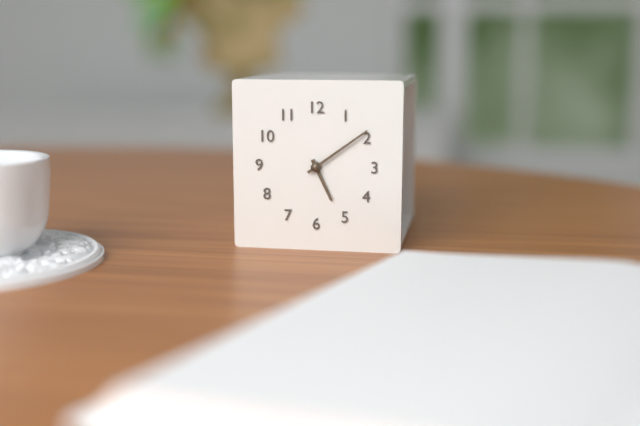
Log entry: **5:09**
